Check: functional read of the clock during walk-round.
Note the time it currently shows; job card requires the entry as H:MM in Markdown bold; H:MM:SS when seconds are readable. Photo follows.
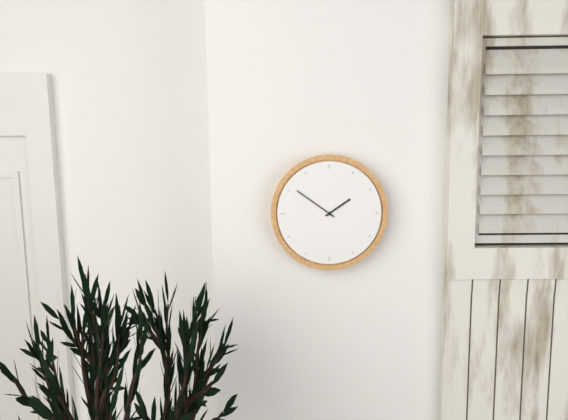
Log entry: **1:51**
